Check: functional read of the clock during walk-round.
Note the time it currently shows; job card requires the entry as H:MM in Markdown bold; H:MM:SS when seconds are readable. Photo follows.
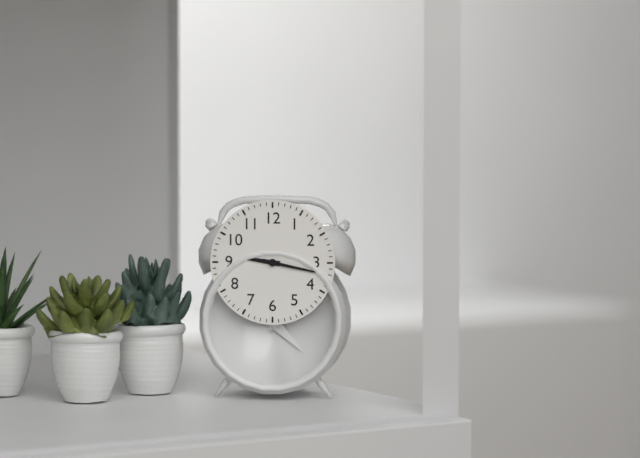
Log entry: **9:17**
